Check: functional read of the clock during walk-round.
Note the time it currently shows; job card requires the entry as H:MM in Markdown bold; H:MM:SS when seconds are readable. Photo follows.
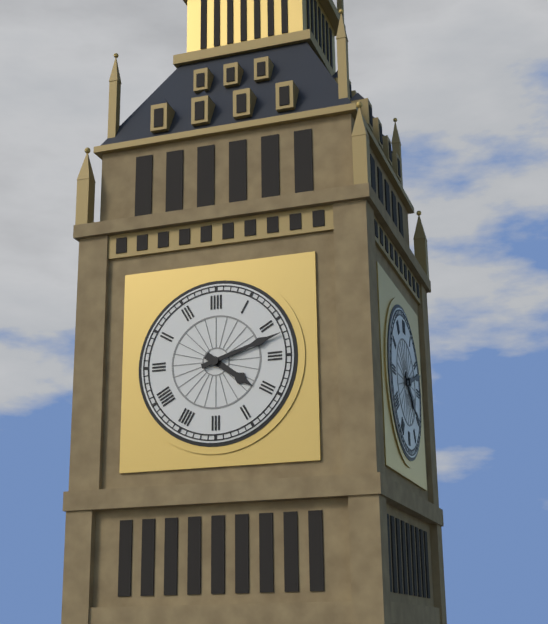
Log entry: **4:12**
